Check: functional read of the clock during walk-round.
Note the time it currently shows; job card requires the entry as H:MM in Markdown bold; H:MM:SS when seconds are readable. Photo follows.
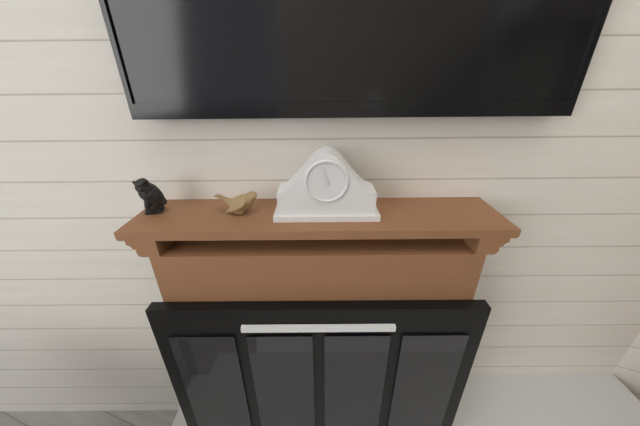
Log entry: **9:57**
